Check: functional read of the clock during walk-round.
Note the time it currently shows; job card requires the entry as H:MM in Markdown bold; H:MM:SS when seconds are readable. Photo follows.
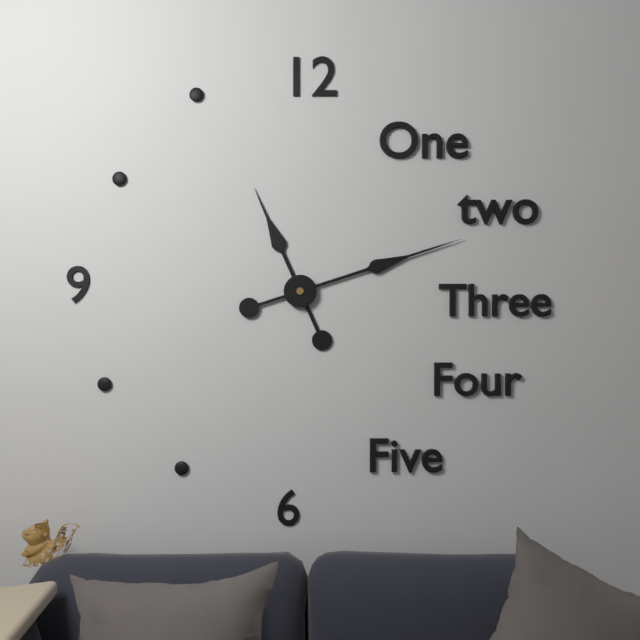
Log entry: **11:12**
